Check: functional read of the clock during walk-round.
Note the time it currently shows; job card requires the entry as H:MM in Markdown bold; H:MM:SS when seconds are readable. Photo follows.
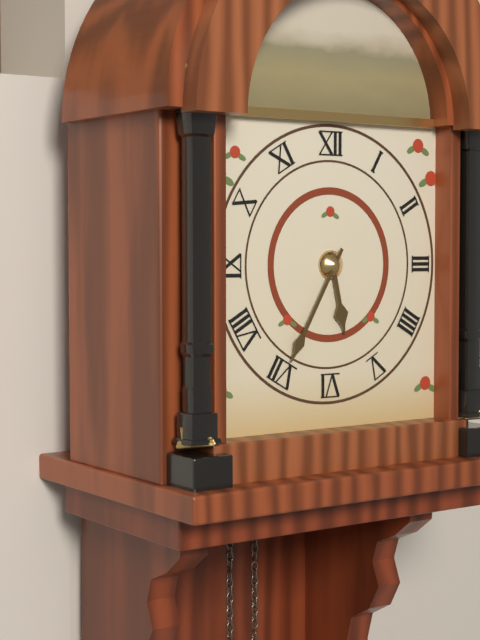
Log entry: **5:35**
